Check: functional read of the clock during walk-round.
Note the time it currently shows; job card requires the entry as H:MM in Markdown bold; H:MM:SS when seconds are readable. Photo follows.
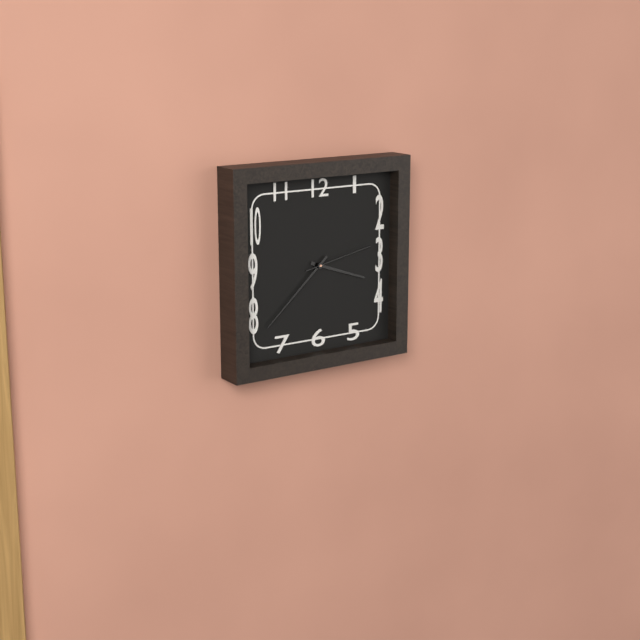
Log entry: **3:38:13**
